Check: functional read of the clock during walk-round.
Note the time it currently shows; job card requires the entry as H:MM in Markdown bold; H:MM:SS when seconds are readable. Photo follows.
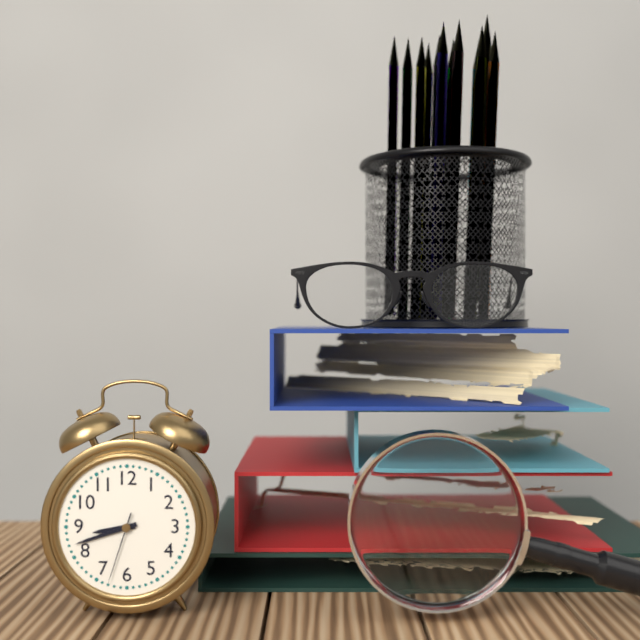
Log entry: **8:42:33**
